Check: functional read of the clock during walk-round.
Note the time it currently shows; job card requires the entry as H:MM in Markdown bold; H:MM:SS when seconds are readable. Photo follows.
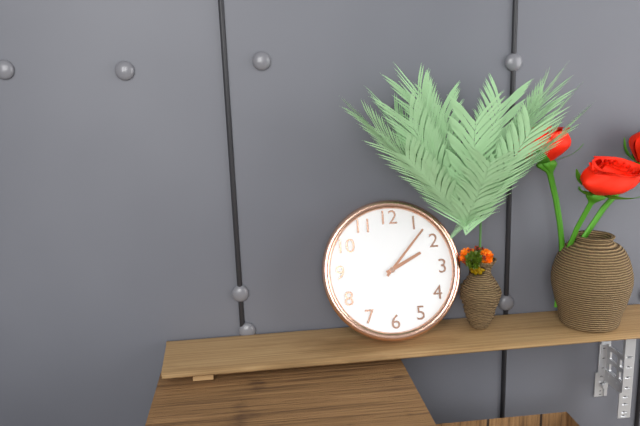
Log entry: **2:07**
